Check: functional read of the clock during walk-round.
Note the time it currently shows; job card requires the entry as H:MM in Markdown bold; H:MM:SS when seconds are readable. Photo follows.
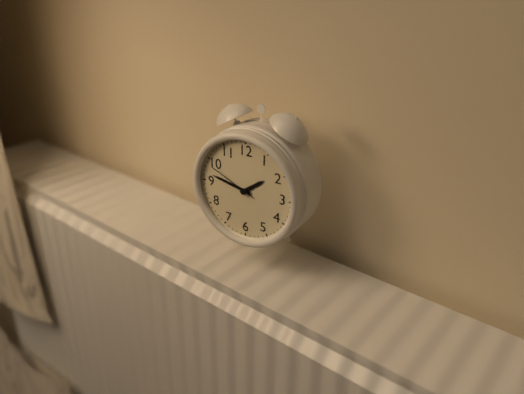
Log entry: **1:47:49**
